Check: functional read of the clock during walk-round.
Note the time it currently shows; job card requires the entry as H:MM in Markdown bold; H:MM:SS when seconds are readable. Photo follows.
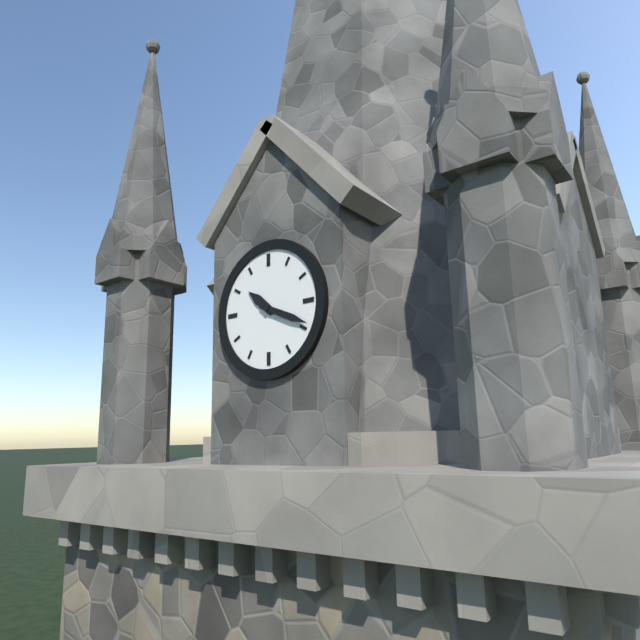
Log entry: **10:19**
